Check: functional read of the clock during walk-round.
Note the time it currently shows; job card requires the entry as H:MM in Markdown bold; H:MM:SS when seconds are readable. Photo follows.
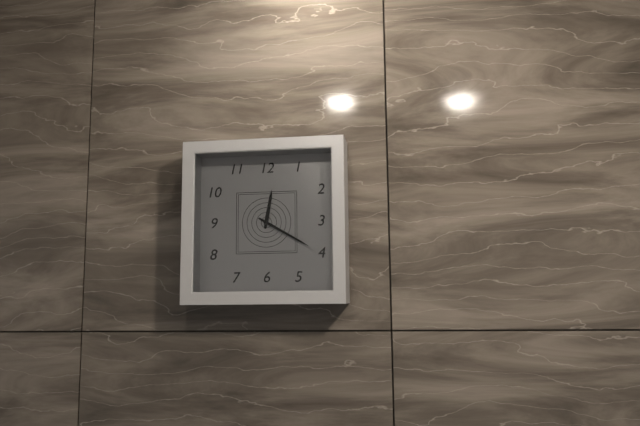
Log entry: **12:20**
